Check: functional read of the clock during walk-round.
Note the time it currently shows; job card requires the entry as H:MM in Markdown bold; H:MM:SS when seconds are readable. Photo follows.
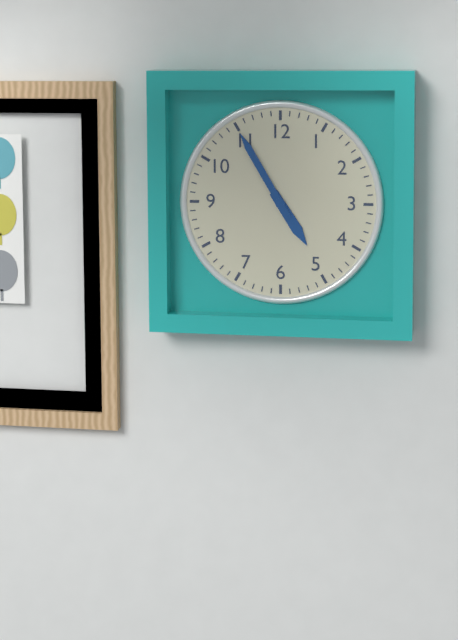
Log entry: **4:55**
